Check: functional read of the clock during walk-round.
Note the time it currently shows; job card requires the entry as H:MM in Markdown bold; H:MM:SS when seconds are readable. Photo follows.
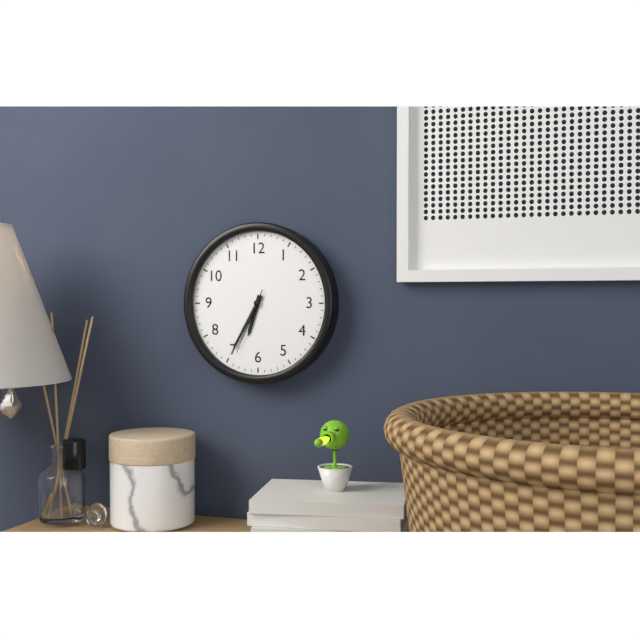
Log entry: **6:35:34**
